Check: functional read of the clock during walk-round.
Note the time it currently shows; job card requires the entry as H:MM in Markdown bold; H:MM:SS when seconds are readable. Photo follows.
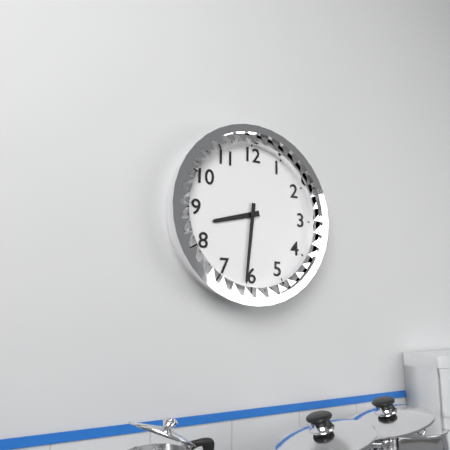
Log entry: **8:31**
